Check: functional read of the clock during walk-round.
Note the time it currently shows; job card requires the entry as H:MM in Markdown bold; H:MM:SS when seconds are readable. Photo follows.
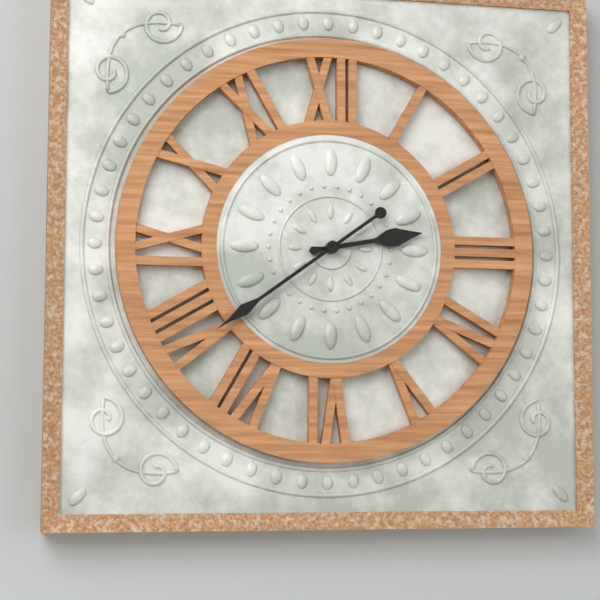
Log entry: **2:39**
